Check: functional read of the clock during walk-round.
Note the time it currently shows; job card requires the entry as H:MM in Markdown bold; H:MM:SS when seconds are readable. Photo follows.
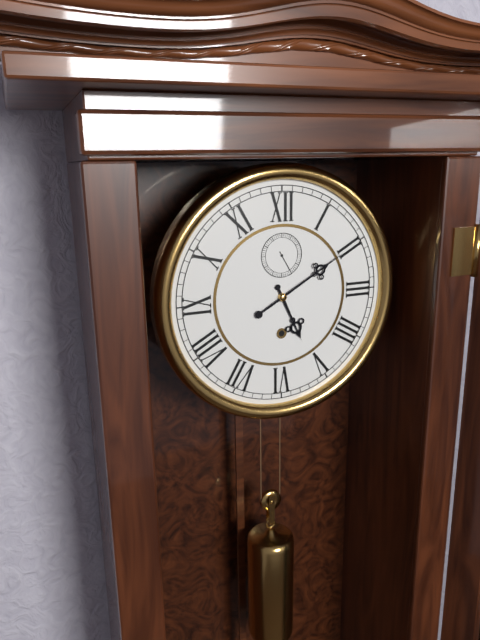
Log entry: **5:10**
